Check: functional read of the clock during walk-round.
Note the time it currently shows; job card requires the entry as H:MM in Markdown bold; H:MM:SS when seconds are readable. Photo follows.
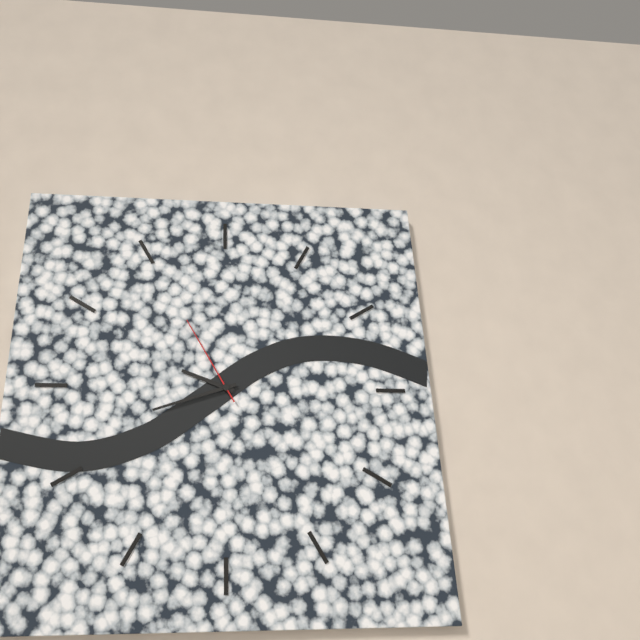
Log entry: **9:42:55**
